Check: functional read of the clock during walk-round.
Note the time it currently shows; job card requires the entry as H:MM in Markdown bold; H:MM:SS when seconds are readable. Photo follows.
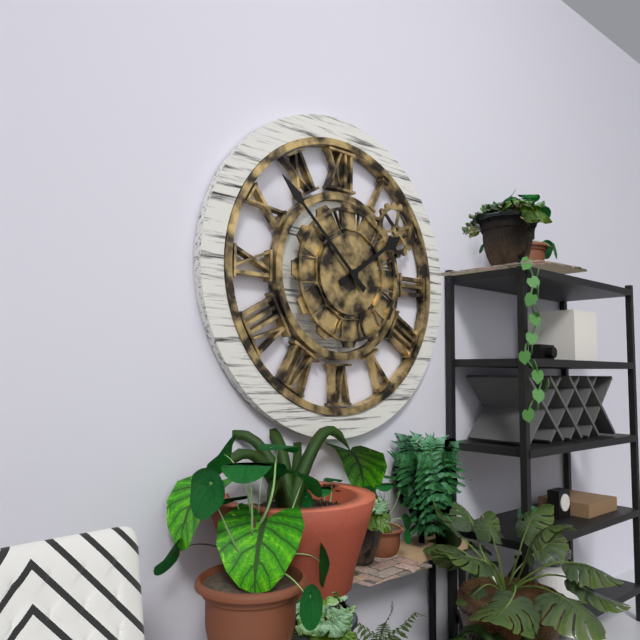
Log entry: **1:52**
